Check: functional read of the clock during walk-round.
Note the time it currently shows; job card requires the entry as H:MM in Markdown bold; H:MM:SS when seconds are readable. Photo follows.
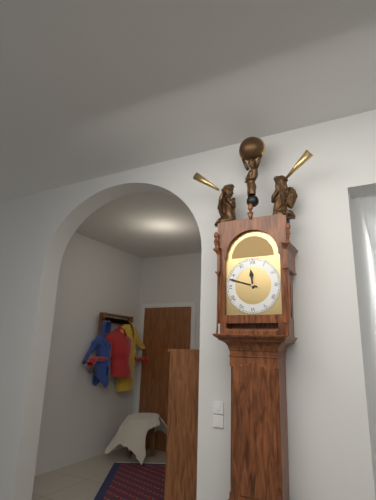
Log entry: **11:48**
